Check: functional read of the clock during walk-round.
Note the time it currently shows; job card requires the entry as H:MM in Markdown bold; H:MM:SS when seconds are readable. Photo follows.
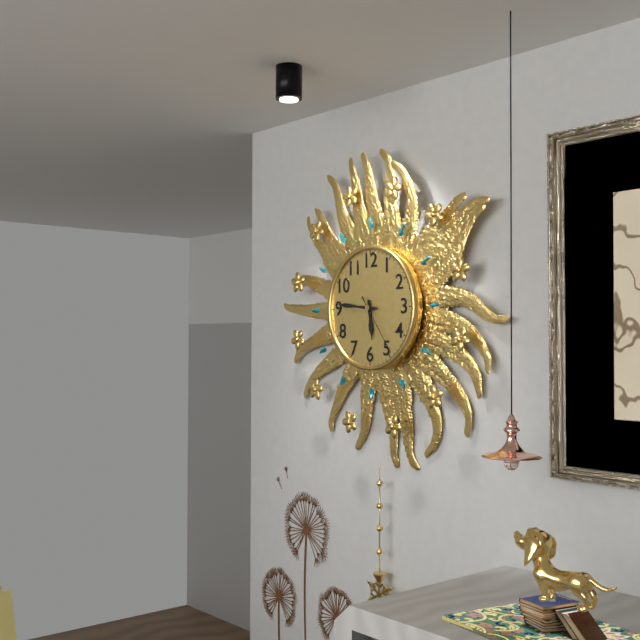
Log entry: **5:46:24**
